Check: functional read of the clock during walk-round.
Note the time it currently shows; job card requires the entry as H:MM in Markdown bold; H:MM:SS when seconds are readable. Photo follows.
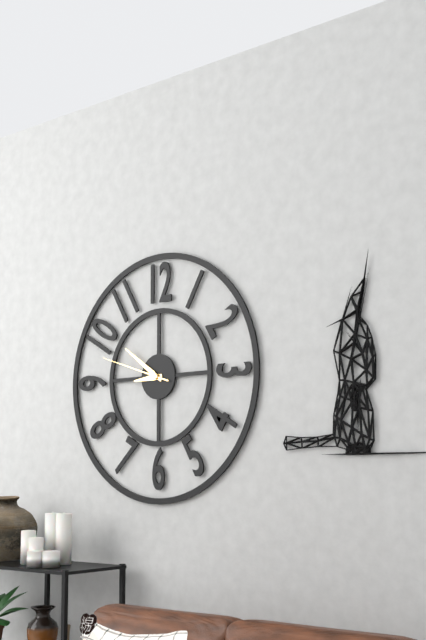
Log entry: **8:51:48**
